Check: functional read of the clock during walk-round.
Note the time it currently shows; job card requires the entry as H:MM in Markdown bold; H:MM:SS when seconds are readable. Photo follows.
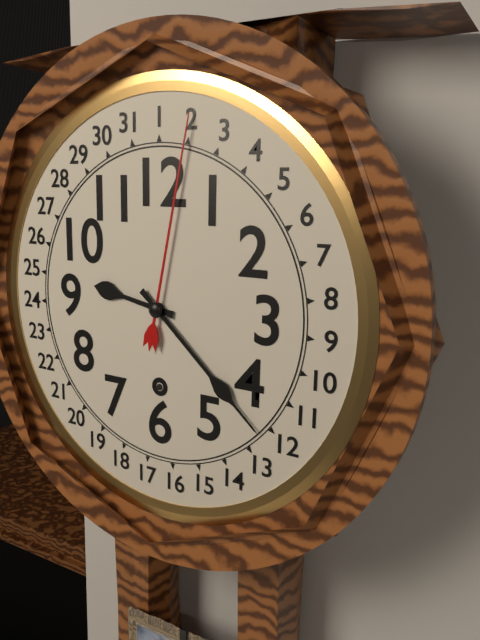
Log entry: **9:22**
